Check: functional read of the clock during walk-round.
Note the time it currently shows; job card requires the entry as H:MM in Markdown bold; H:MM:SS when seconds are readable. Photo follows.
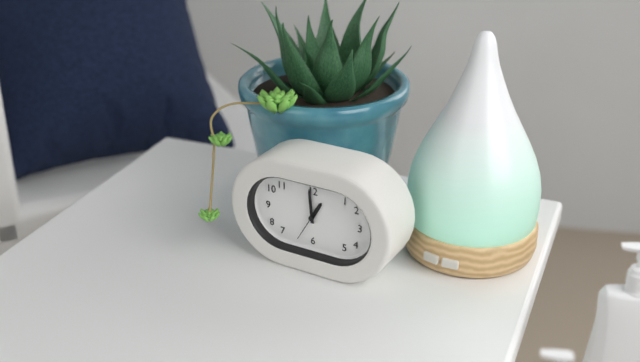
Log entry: **12:59**
